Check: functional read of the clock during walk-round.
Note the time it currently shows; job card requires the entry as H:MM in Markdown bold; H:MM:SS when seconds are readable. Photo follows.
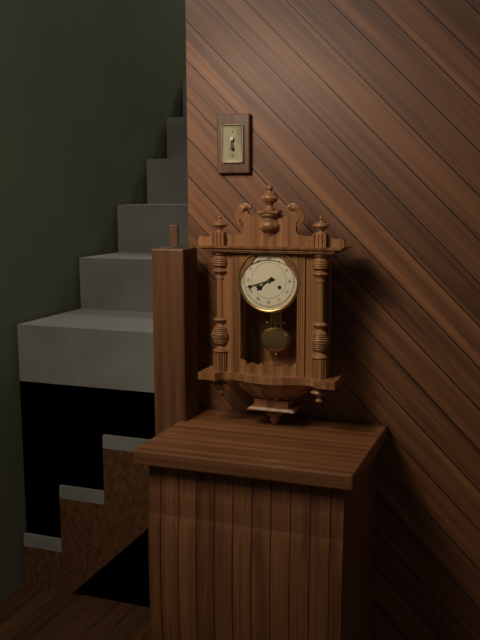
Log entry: **7:42**
